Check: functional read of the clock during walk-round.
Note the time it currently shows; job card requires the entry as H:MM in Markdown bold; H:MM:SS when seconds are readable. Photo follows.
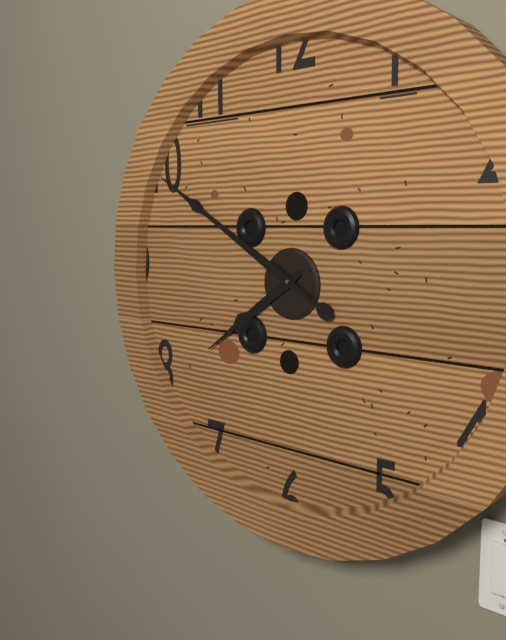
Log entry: **7:50**
